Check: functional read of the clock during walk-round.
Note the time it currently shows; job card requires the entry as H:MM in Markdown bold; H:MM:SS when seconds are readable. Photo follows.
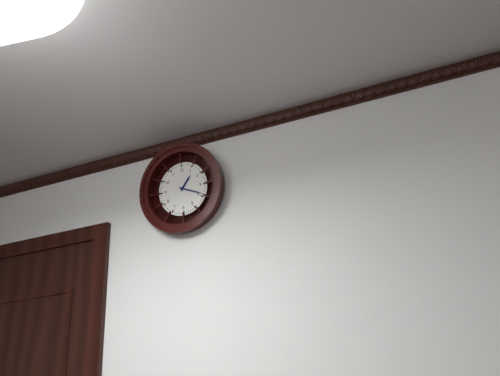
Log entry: **1:19**
